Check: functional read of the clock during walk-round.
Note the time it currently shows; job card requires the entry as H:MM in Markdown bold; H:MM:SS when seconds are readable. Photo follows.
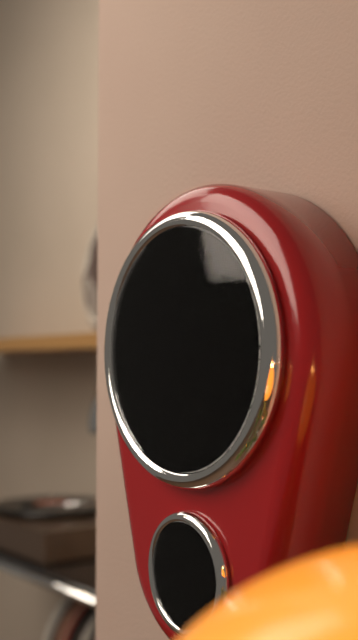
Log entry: **7:36:38**
